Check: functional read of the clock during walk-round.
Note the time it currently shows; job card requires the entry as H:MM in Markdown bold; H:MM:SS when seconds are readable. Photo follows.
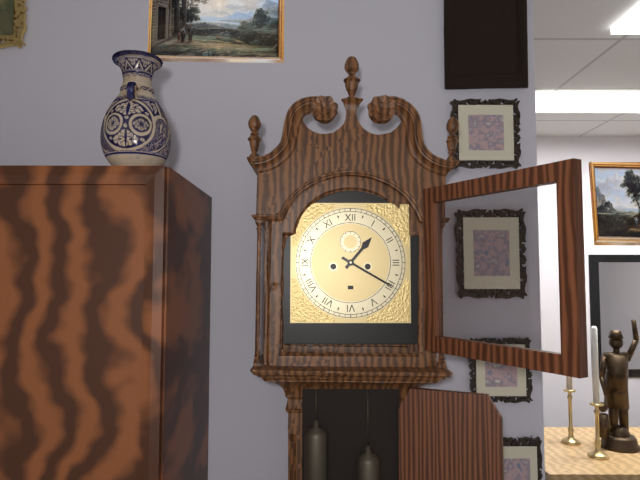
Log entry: **1:20**
